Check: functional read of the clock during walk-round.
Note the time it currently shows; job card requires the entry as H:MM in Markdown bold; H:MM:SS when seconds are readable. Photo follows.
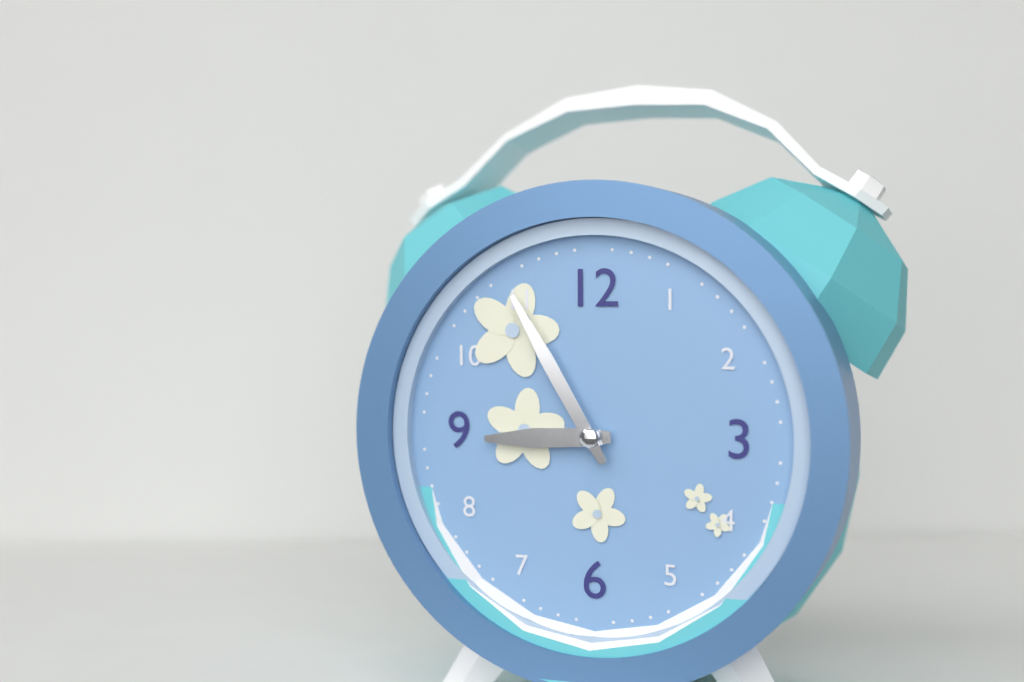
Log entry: **8:55**
